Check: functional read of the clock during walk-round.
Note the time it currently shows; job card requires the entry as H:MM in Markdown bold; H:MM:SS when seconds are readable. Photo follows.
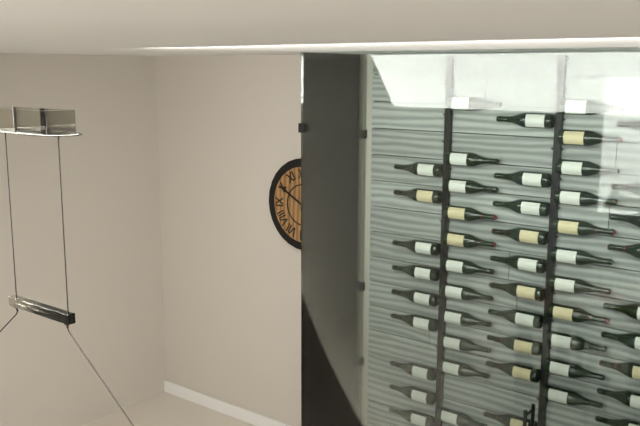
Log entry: **12:50**
